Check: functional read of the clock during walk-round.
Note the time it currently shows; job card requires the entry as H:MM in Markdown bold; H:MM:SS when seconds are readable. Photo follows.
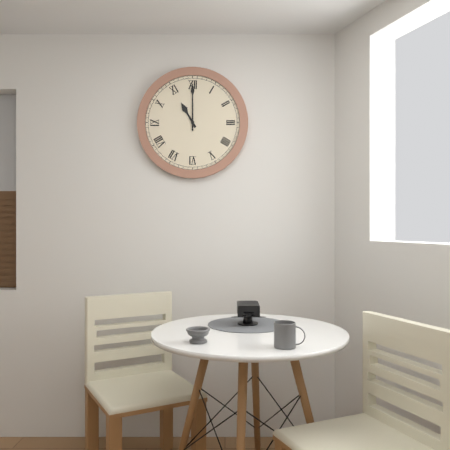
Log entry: **11:00**
